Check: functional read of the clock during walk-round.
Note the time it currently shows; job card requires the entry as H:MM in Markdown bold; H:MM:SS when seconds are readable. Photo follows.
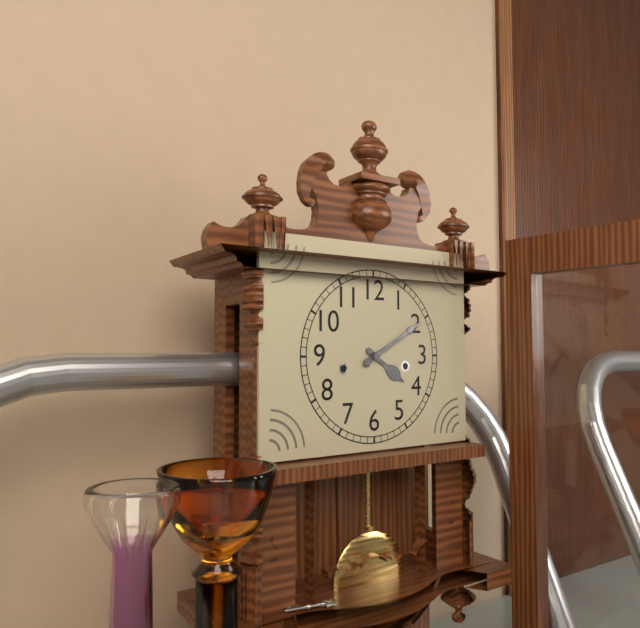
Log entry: **4:10**
